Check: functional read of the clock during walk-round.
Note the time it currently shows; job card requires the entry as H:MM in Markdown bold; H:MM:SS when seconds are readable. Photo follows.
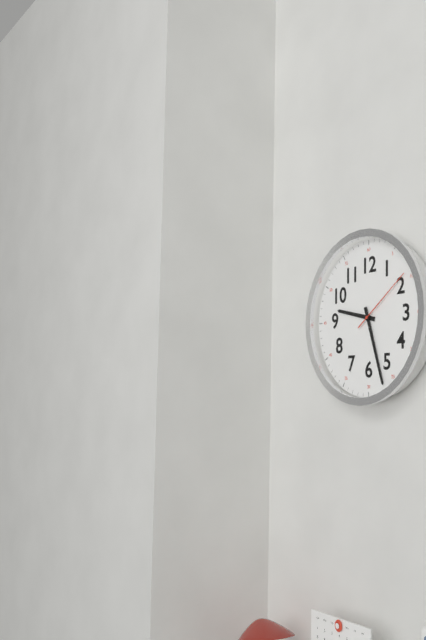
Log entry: **9:27:09**
